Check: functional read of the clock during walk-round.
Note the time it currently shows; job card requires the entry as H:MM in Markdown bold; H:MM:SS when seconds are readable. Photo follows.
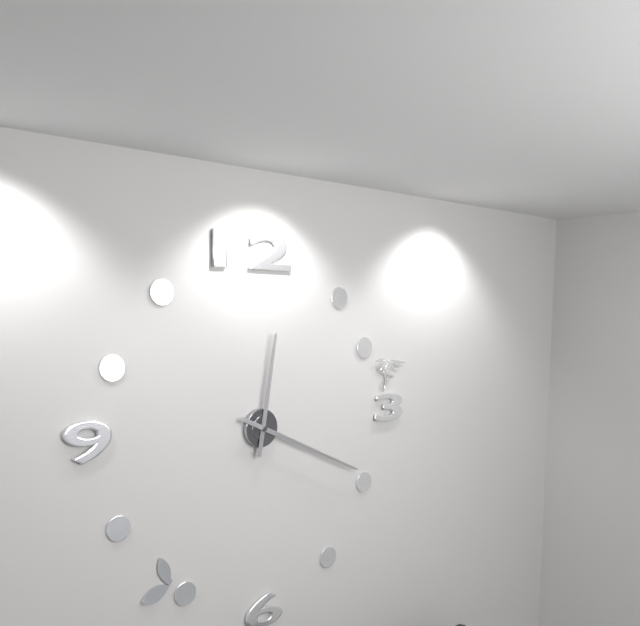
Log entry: **12:19**
